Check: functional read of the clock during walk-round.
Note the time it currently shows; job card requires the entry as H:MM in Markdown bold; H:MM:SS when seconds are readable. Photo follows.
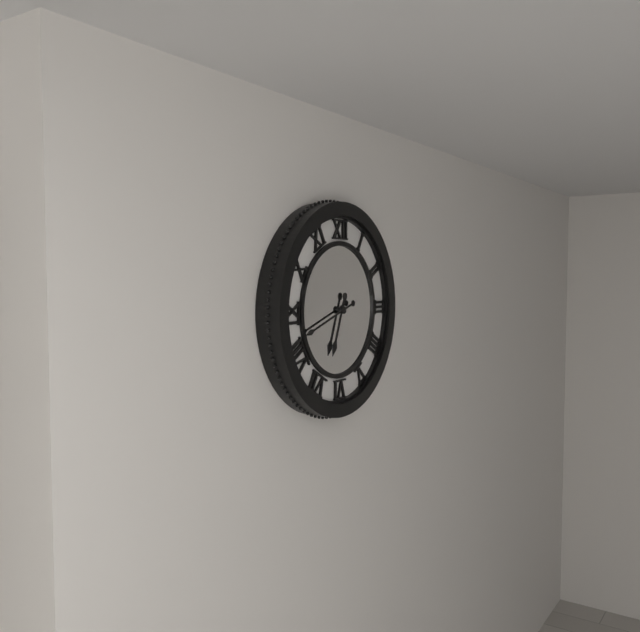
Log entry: **6:42**
